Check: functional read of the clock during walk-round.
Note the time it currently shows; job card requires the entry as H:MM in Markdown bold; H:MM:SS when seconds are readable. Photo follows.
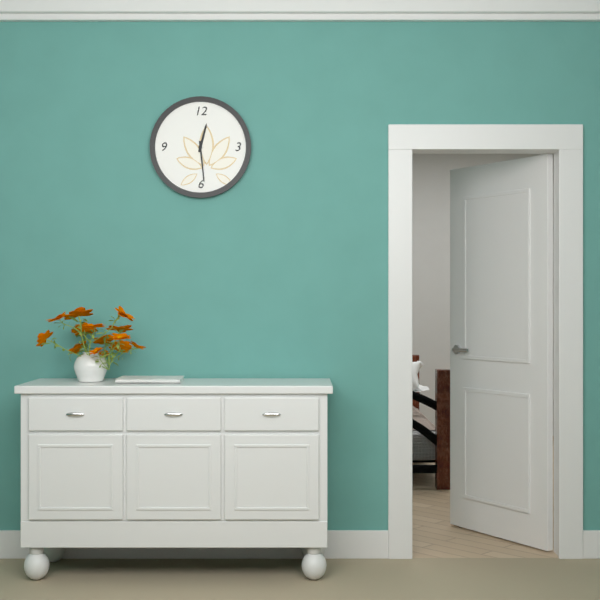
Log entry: **12:29**
